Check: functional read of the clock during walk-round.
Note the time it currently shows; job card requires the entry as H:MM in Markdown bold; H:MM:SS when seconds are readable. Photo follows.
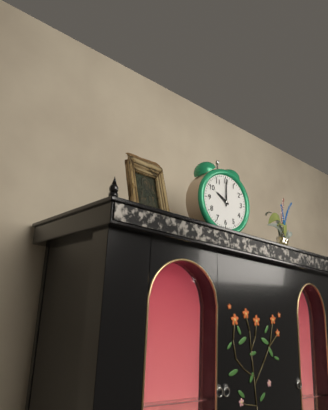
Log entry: **10:00**
